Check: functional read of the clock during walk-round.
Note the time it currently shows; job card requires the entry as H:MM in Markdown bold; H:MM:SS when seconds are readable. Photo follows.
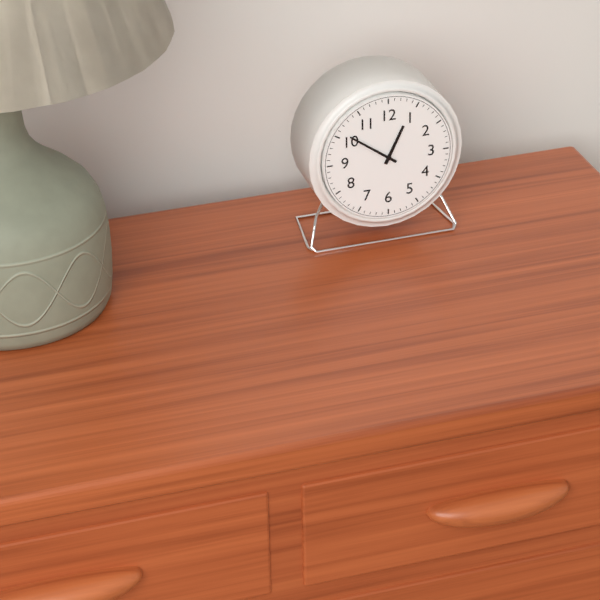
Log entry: **12:51**
